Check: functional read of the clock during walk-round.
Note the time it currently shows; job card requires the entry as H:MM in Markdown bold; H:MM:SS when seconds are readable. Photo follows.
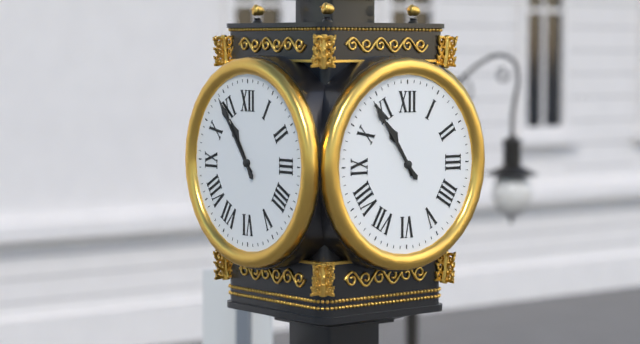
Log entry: **10:54**
